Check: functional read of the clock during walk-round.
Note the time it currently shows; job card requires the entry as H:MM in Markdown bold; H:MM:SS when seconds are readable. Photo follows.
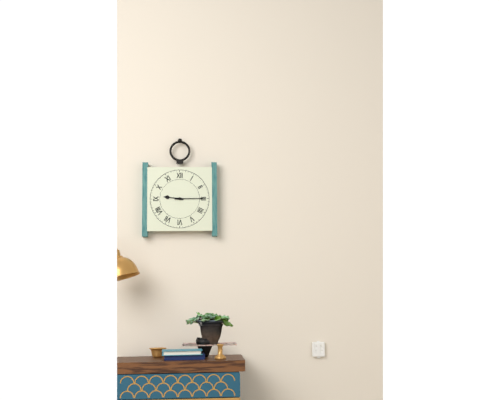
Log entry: **9:15**
